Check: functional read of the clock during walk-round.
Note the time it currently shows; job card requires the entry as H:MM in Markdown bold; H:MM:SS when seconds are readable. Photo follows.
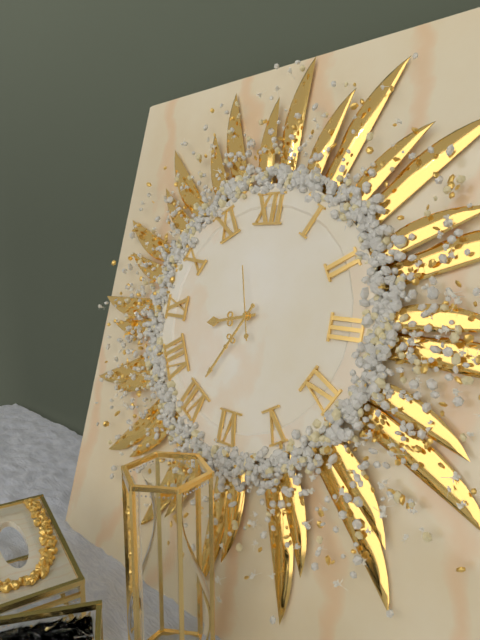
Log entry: **8:35:57**
